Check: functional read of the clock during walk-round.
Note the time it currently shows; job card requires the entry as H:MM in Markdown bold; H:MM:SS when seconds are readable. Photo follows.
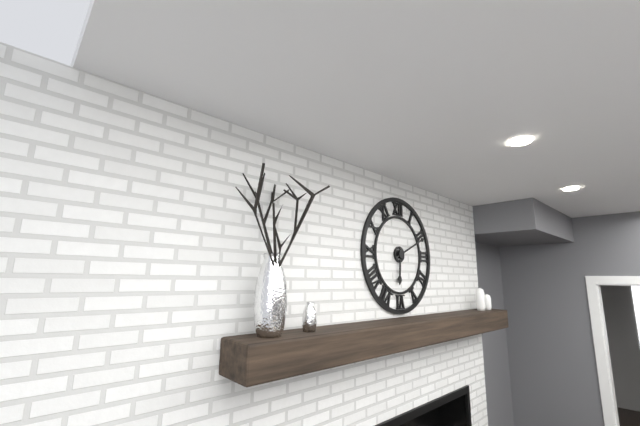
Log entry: **6:11**
